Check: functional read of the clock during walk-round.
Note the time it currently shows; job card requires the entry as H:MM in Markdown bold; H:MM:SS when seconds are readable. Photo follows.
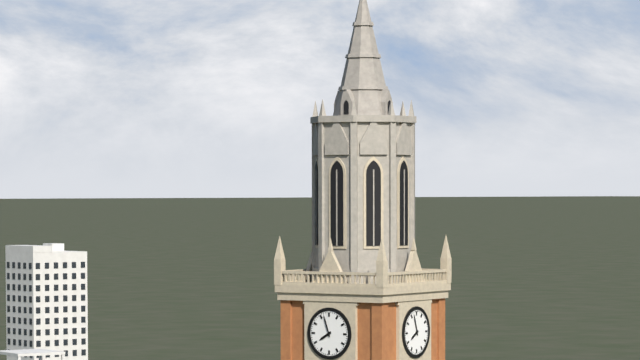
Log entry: **7:57**
